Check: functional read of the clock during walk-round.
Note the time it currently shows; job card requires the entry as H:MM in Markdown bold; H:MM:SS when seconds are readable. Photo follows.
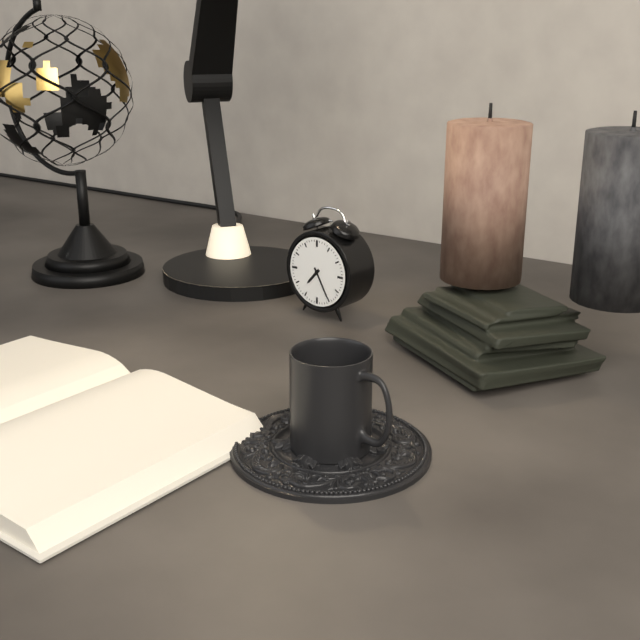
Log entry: **7:25**
